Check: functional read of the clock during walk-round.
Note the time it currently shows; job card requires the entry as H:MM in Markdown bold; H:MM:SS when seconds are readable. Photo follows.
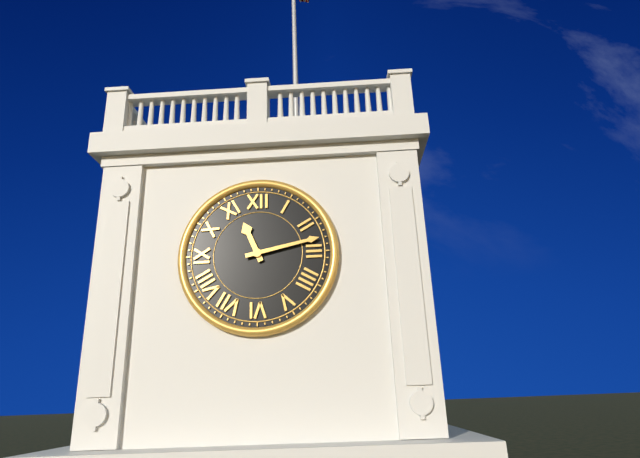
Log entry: **11:13**
